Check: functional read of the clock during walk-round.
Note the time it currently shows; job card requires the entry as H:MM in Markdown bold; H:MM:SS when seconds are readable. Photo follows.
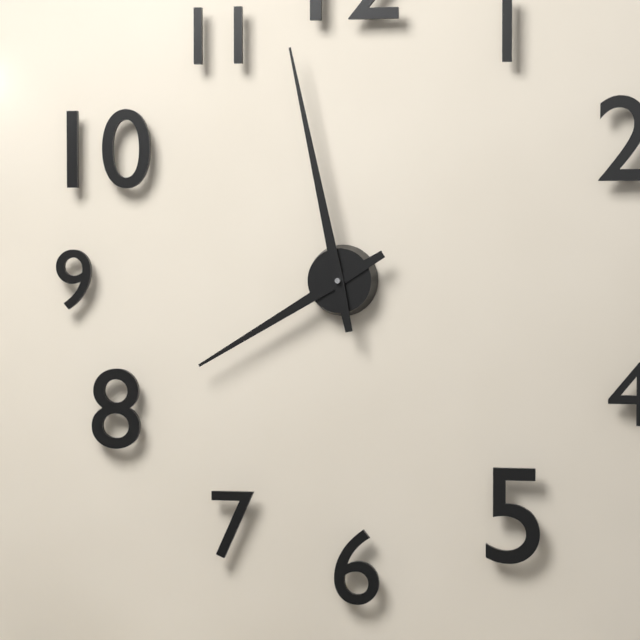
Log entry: **7:58**
